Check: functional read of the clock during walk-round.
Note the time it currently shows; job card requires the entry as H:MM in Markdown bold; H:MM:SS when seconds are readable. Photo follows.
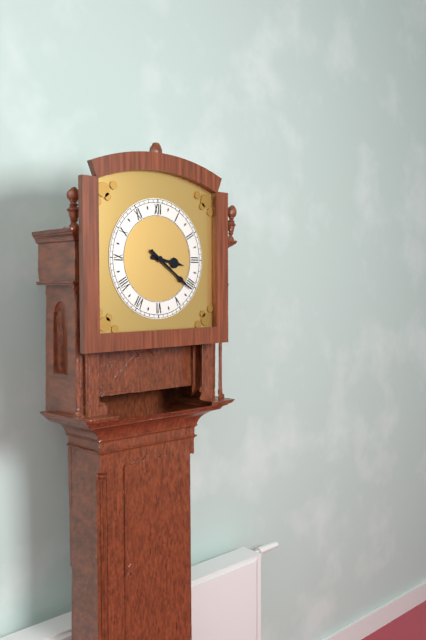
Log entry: **3:21**
